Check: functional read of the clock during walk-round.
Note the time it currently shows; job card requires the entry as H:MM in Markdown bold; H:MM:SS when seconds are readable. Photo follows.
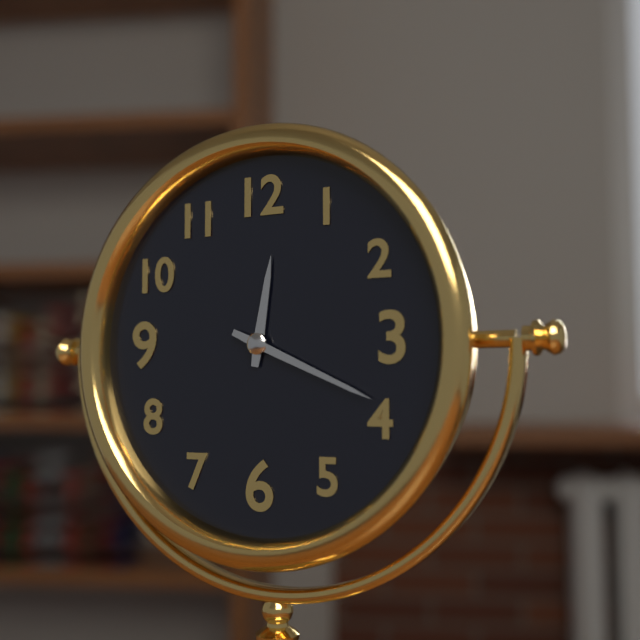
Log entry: **12:19**
